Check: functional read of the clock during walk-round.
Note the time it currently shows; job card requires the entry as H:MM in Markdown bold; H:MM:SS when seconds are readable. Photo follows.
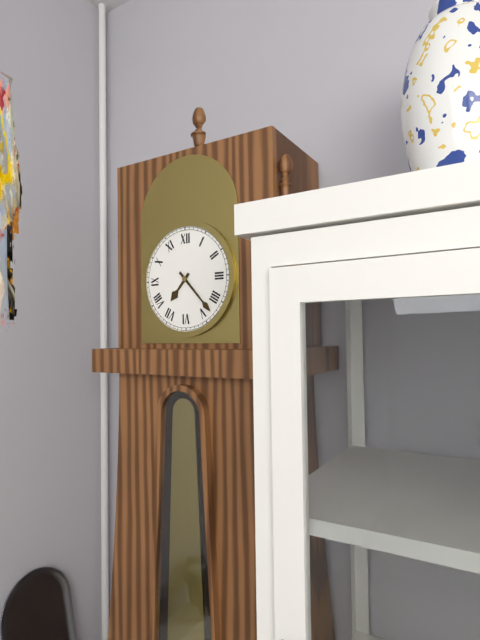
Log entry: **7:23**
